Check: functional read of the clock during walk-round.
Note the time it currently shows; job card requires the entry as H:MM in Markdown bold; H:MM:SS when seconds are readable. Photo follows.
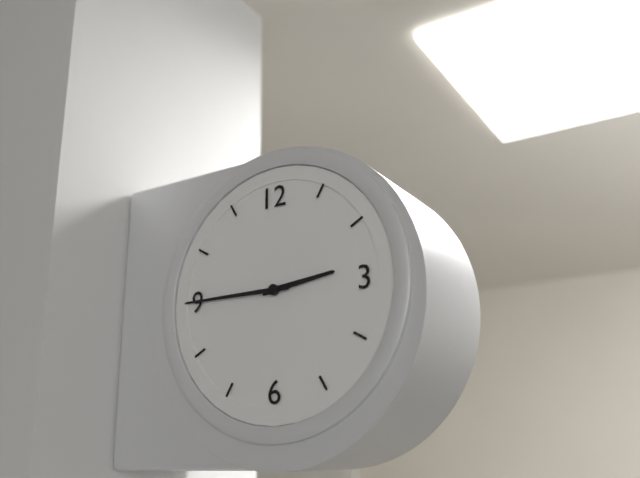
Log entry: **2:45**
